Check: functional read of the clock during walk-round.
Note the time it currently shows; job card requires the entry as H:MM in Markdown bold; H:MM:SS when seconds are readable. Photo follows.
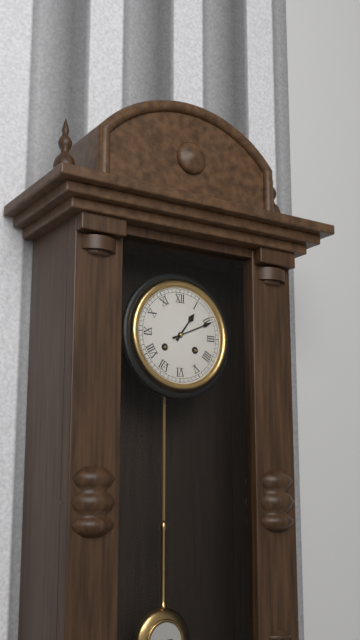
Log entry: **1:11**
